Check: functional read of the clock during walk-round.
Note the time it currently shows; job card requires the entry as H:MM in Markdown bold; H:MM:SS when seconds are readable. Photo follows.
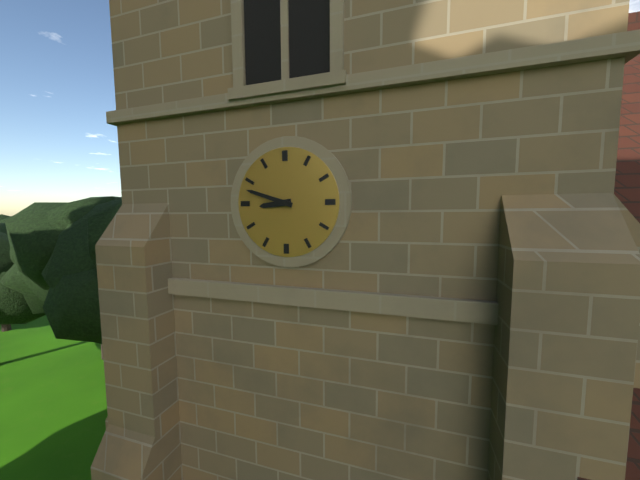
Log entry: **8:48**
